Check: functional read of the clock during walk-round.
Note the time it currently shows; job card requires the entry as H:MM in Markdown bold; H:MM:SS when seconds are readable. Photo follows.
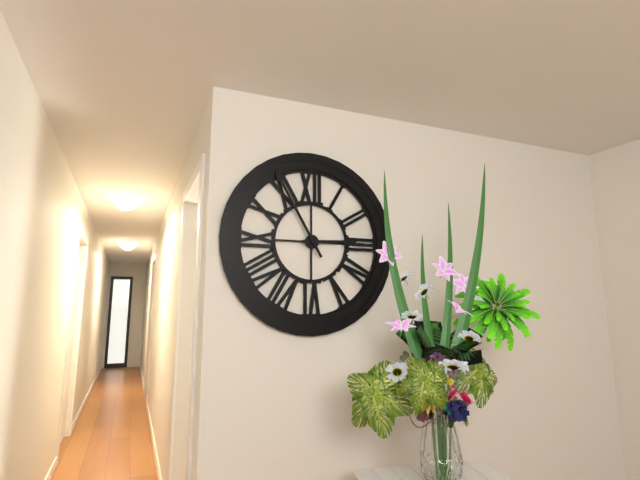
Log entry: **2:55**
